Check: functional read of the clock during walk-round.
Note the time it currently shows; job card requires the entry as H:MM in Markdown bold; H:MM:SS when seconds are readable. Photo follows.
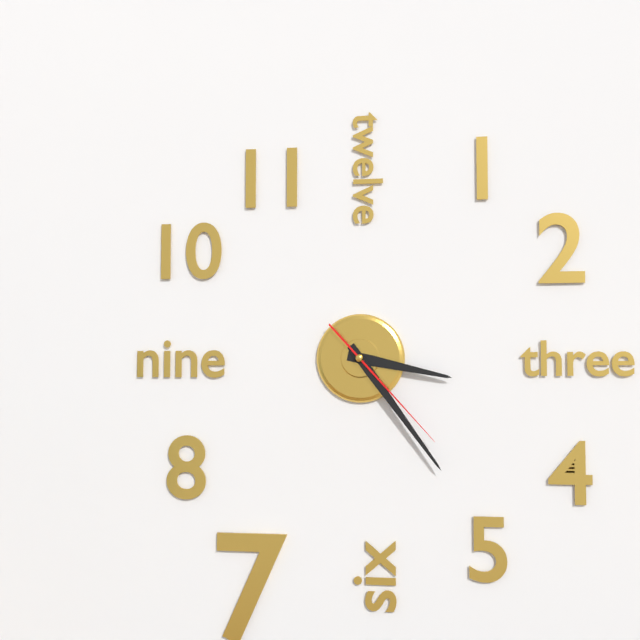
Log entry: **3:24:23**
